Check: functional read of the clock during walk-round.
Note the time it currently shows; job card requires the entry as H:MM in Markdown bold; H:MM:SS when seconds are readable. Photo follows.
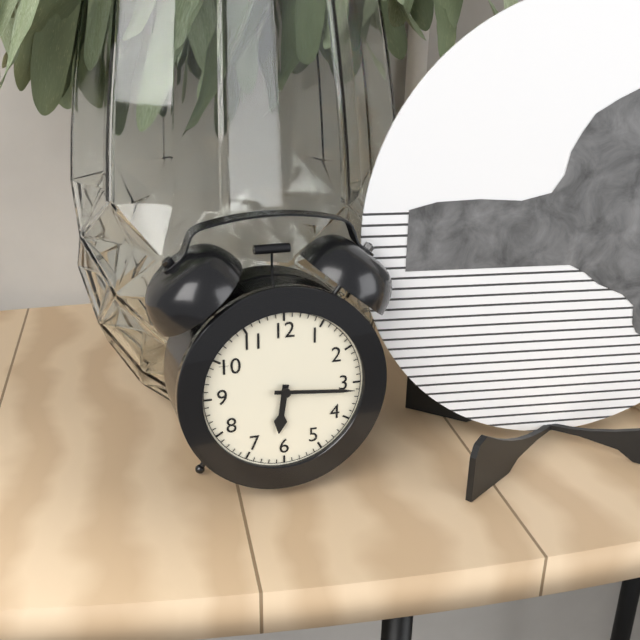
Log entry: **6:16**
